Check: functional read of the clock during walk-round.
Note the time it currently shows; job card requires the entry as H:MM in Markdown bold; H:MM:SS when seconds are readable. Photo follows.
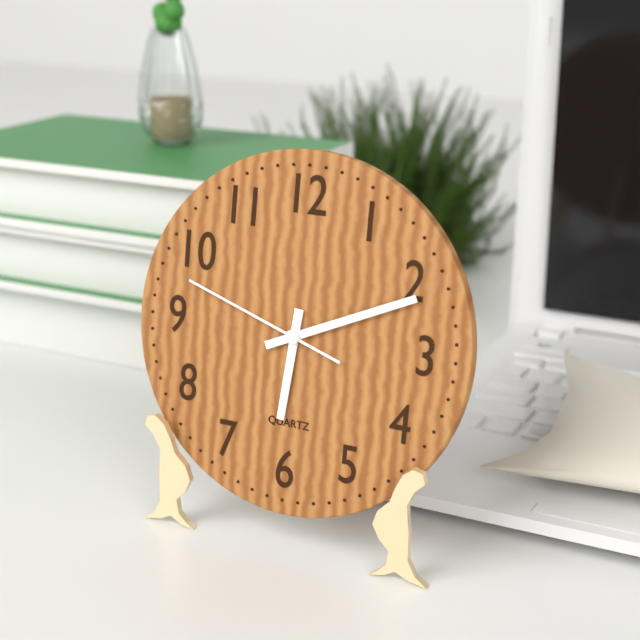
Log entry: **6:11:48**
